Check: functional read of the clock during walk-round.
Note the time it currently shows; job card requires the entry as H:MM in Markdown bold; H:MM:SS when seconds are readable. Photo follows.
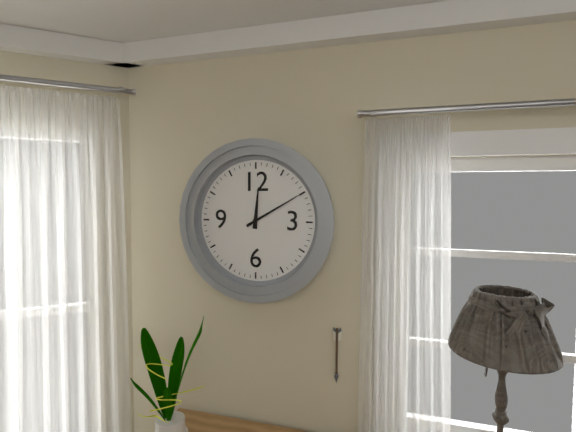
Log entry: **12:10**
